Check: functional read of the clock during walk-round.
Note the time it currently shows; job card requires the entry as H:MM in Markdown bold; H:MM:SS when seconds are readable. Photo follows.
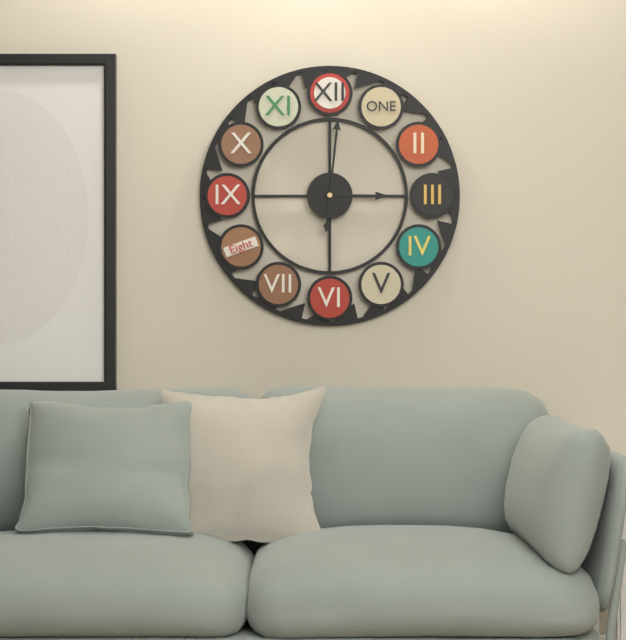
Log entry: **3:01**
